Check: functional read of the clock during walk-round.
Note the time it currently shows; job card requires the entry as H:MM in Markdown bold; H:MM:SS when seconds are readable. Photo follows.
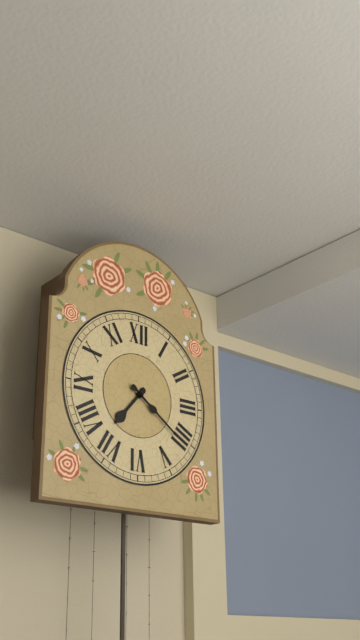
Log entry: **7:21**
